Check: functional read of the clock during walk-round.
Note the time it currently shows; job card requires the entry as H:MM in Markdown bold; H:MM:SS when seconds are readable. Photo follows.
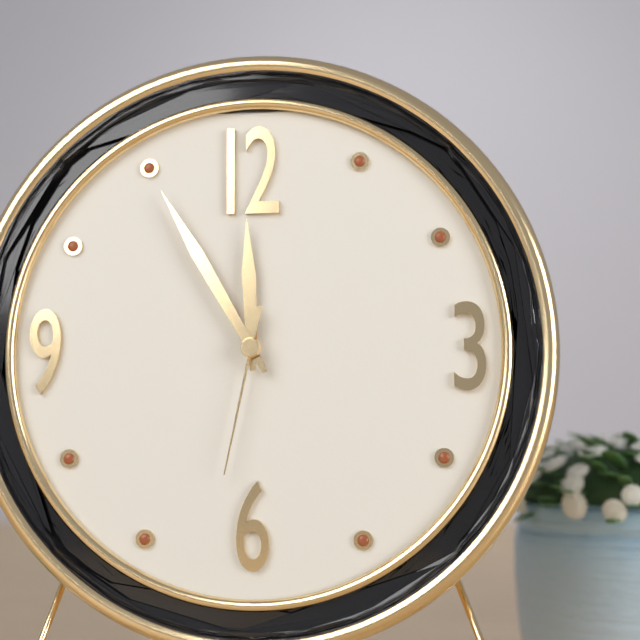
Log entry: **11:55:32**
